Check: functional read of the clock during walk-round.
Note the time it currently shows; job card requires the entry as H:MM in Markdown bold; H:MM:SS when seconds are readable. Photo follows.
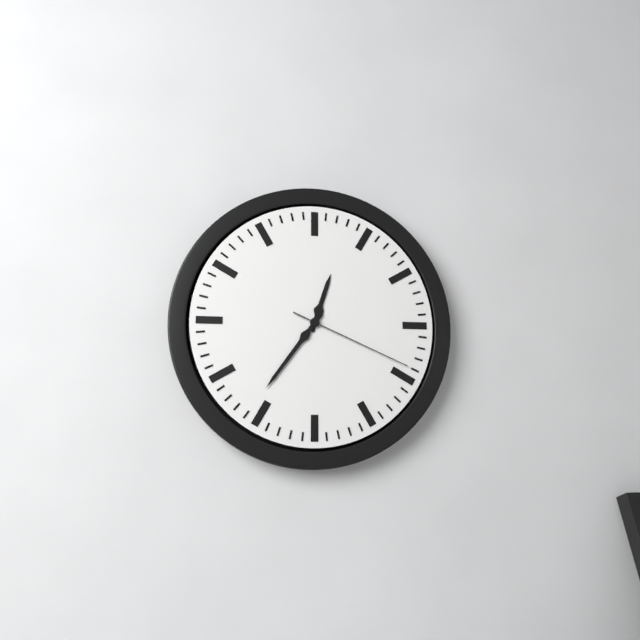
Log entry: **12:36:19**
